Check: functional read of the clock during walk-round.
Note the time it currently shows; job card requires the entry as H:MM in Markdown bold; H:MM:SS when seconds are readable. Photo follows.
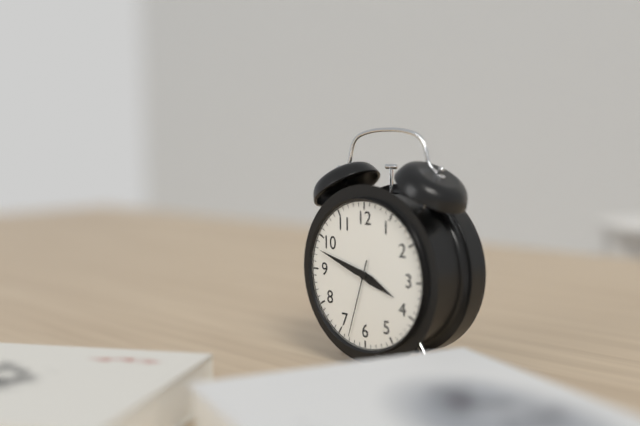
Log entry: **3:48:33**
